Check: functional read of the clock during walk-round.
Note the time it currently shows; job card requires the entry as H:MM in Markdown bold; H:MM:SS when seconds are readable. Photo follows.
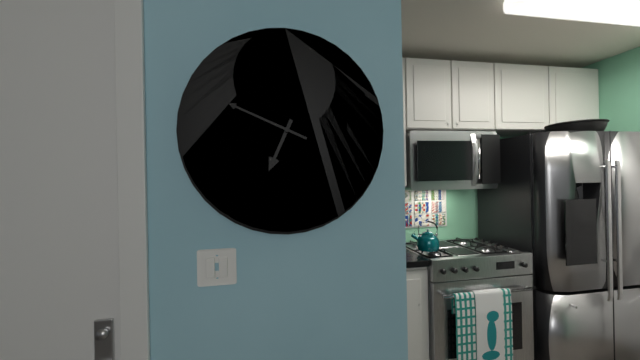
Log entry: **6:49**
